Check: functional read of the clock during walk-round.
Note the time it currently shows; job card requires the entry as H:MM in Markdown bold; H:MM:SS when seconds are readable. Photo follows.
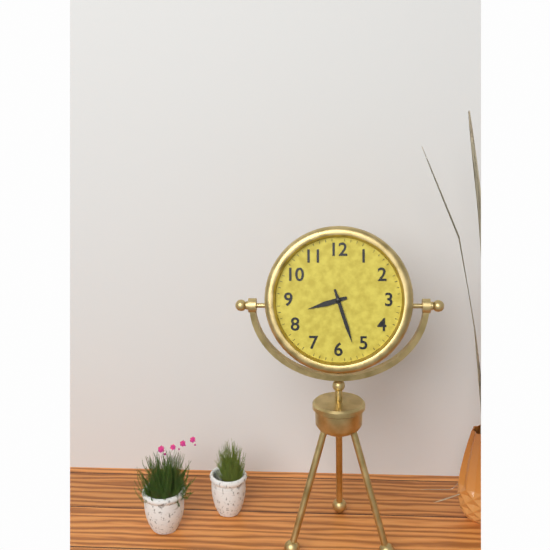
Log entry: **8:27**
